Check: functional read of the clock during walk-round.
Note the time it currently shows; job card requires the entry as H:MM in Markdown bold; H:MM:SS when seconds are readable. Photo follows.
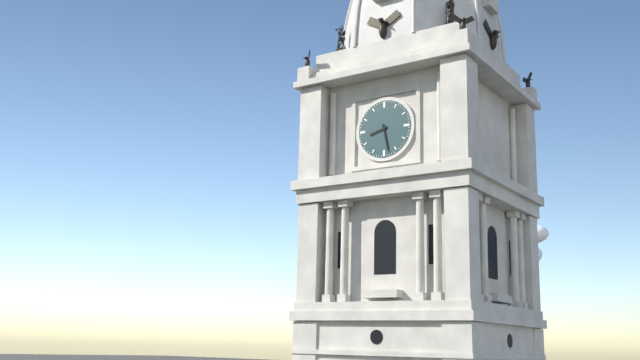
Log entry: **8:28**
